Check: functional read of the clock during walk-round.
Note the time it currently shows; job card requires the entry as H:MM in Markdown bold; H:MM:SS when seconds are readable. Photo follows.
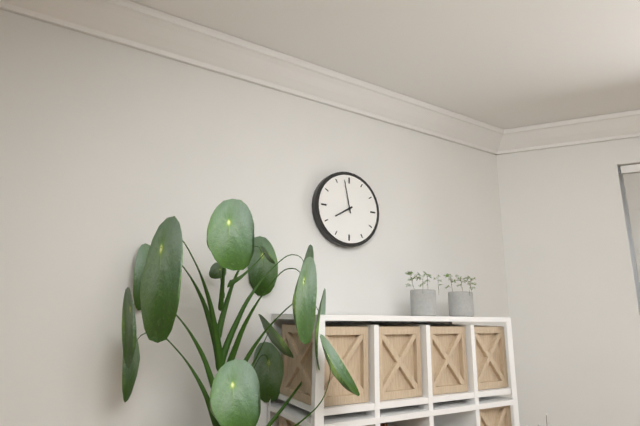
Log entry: **7:58**
